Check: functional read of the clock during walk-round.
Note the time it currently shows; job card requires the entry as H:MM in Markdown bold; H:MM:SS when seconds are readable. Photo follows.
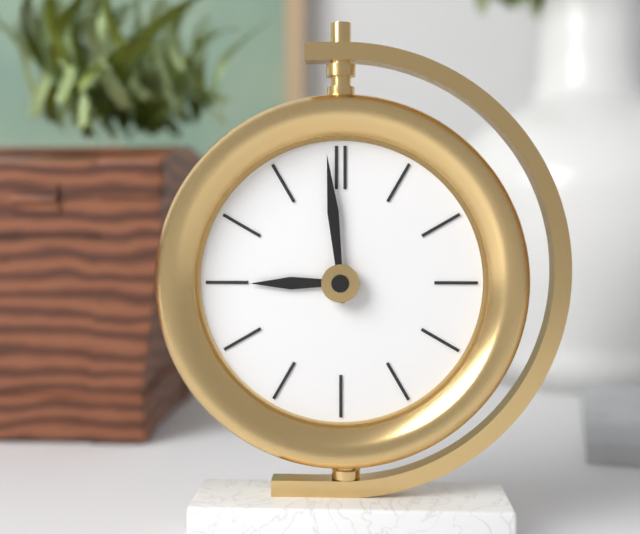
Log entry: **8:59**
